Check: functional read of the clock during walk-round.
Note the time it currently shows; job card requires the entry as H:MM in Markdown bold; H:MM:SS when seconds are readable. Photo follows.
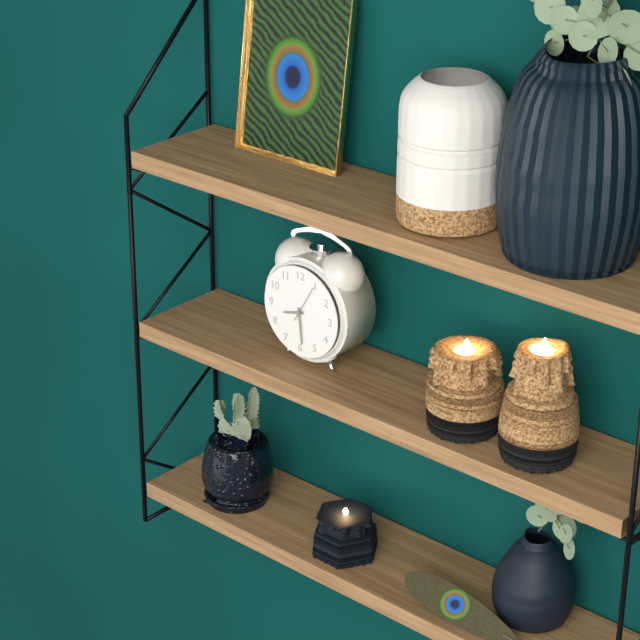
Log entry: **8:29**
